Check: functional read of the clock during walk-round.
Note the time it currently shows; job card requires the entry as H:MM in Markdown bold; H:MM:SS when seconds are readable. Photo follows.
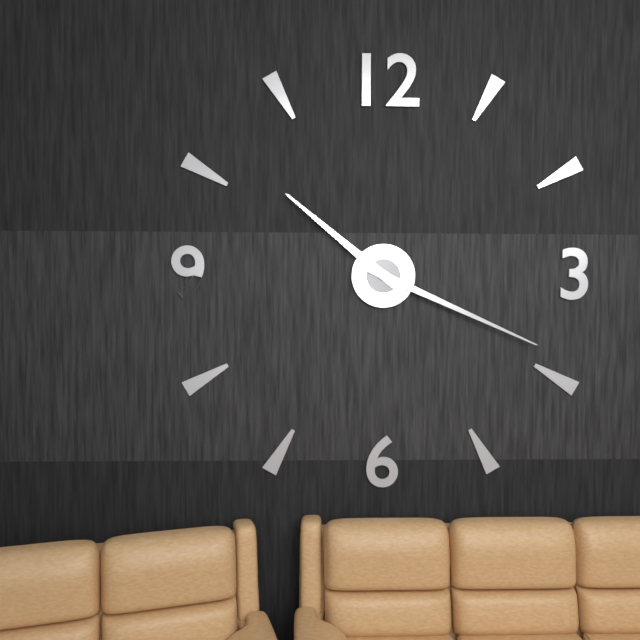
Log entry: **10:19**
